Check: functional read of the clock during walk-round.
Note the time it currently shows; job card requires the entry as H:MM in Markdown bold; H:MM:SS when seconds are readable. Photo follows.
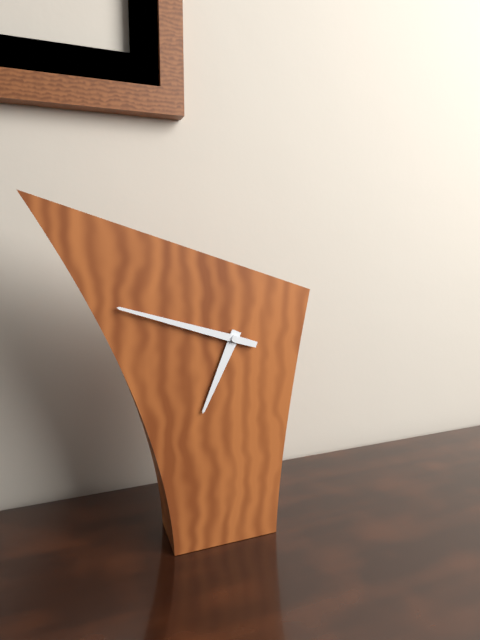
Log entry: **6:48**
